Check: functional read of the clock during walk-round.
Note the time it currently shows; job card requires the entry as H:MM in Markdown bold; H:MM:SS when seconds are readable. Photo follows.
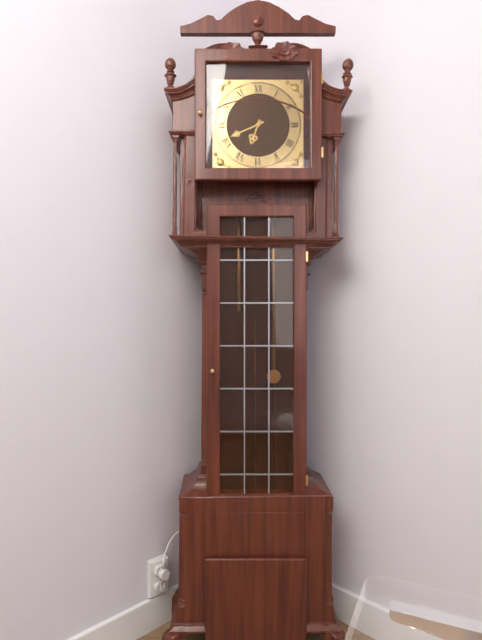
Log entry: **6:41**
